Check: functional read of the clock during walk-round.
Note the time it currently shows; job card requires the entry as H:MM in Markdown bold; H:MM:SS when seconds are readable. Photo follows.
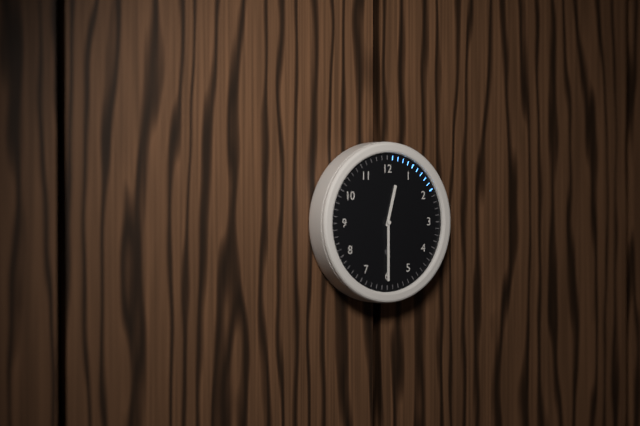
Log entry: **12:30**
